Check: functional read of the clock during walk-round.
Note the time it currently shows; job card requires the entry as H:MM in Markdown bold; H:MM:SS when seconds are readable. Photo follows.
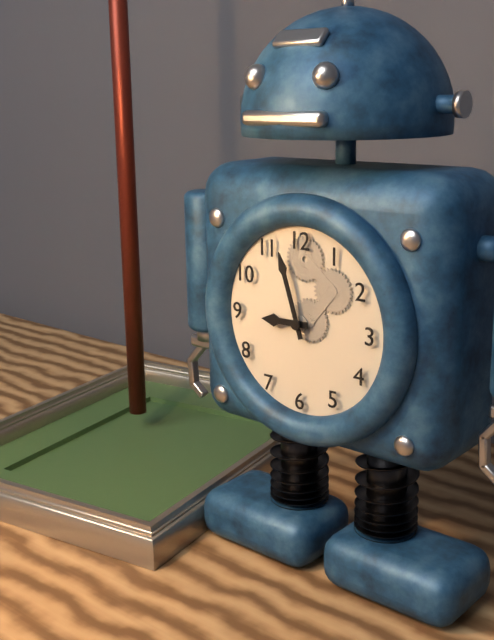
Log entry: **8:57**
